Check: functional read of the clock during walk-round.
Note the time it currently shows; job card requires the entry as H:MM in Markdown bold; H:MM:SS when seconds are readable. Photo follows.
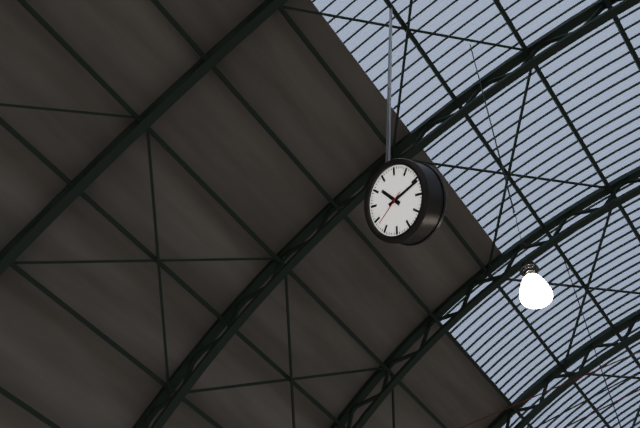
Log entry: **11:16**
